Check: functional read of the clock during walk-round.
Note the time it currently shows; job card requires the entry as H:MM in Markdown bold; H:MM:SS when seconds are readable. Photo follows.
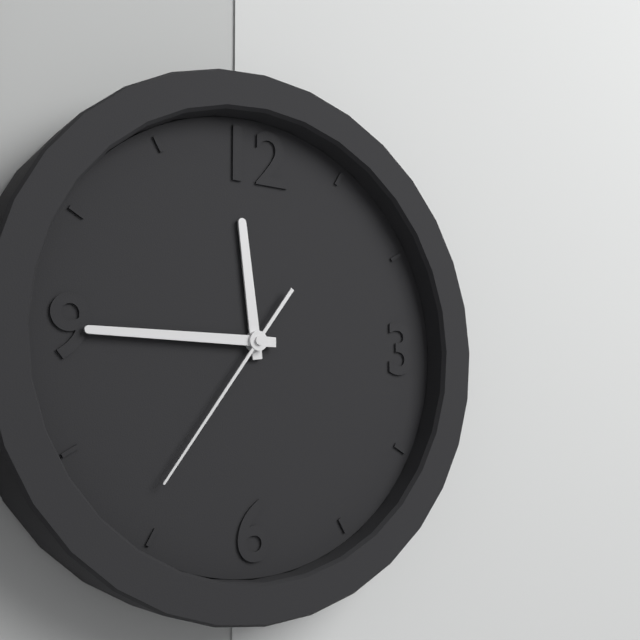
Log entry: **11:45:36**
